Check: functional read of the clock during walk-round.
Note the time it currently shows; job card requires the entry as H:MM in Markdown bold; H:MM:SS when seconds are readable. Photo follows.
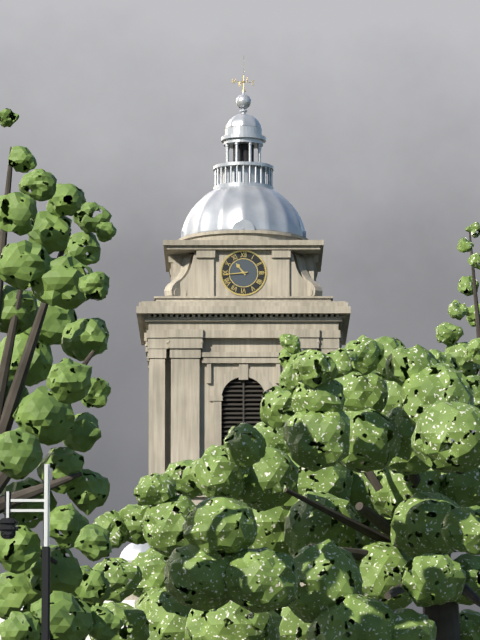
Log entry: **10:44**
